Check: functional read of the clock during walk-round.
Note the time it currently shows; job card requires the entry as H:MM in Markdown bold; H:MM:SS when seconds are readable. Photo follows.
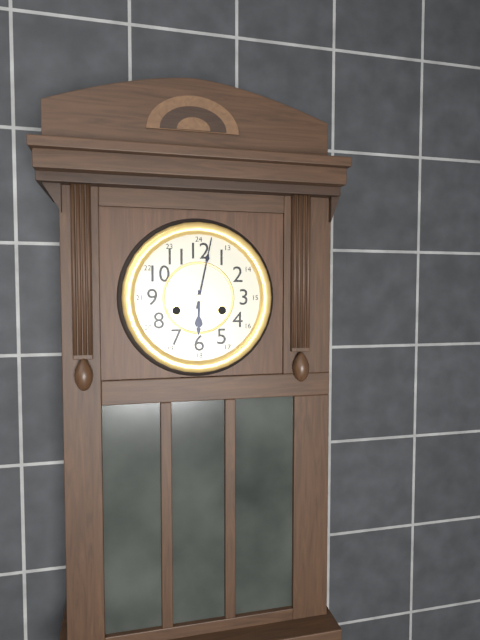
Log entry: **6:02**
